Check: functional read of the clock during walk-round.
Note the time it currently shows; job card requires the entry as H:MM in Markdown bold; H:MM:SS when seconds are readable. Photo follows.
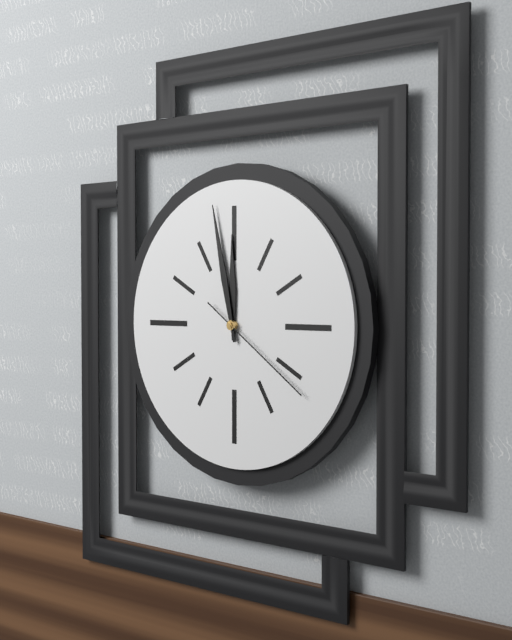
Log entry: **11:58:21**
